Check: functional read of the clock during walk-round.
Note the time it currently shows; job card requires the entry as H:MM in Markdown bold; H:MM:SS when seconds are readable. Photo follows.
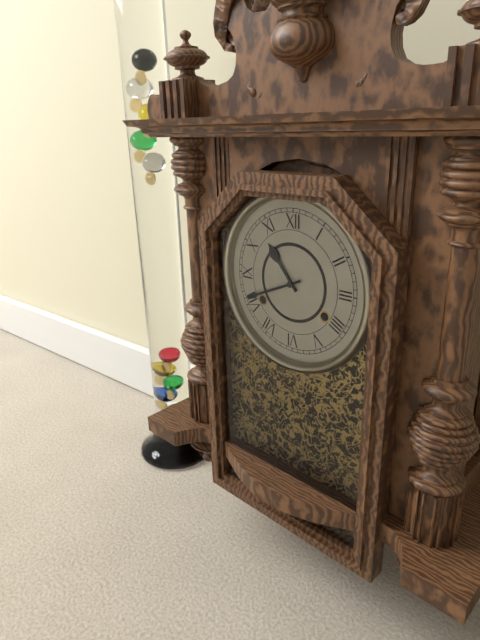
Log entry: **10:41**
